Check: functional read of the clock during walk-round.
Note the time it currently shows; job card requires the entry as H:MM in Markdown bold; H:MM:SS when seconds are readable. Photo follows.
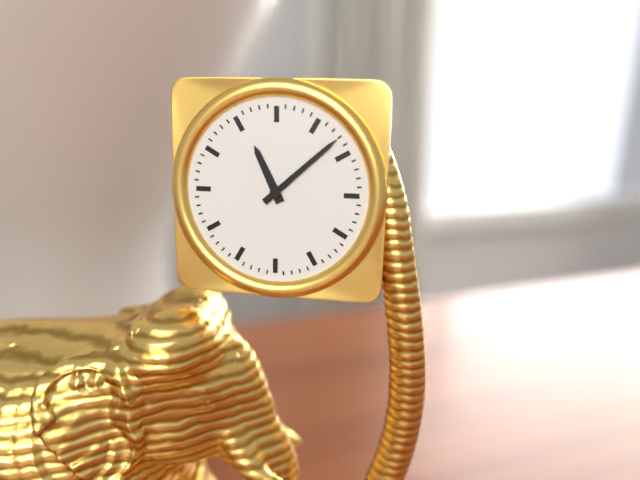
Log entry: **11:08**
